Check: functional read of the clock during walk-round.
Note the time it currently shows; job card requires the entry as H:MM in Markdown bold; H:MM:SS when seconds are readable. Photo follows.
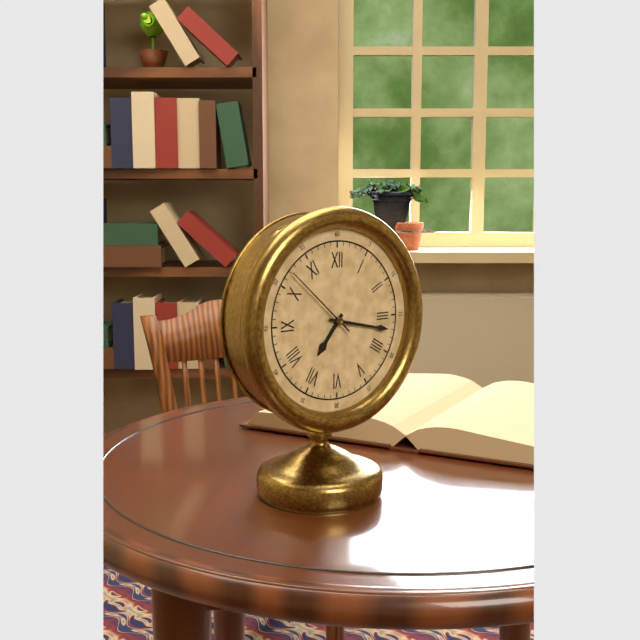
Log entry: **7:17:52**
